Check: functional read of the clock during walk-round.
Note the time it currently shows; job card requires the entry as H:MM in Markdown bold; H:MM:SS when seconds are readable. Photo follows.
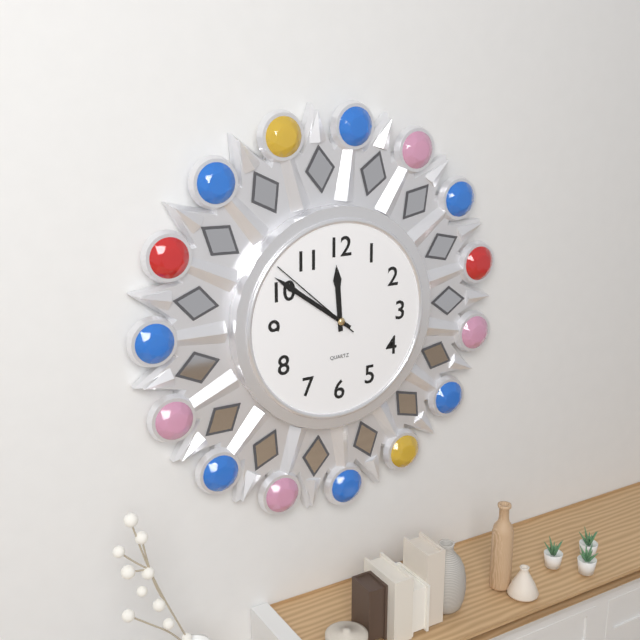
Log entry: **11:51:52**
